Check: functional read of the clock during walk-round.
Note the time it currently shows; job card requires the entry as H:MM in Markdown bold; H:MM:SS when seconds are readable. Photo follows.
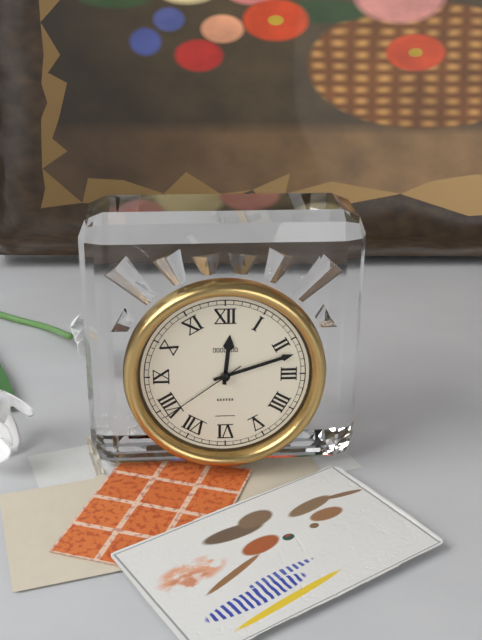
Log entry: **12:12:39**
